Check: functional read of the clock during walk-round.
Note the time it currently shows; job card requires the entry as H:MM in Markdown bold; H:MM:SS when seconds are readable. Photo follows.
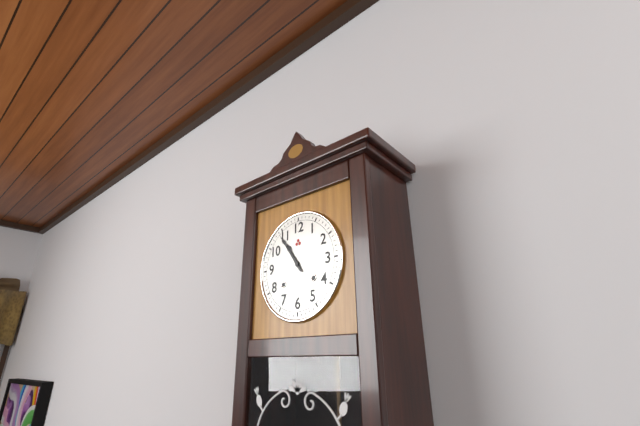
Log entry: **10:54**
